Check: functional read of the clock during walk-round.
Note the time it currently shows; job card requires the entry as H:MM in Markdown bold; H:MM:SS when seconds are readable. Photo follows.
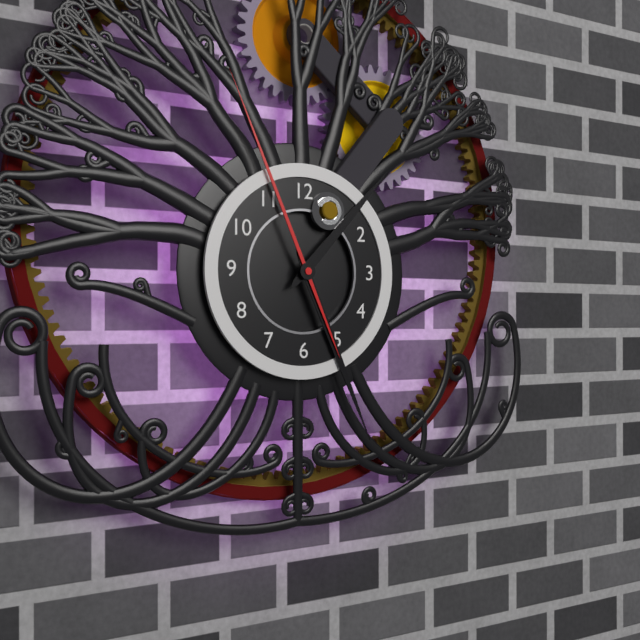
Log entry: **1:26:56**
